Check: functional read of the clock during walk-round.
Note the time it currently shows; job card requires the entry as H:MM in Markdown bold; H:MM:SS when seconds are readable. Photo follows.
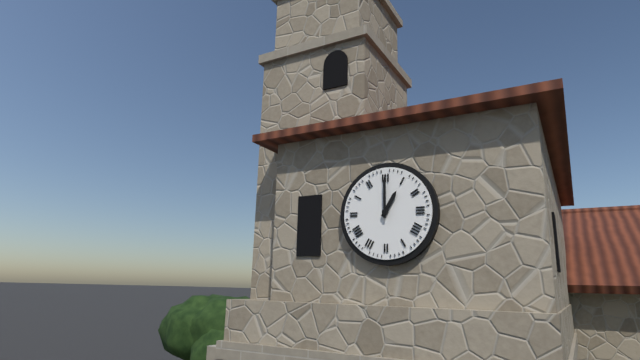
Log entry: **1:00**
